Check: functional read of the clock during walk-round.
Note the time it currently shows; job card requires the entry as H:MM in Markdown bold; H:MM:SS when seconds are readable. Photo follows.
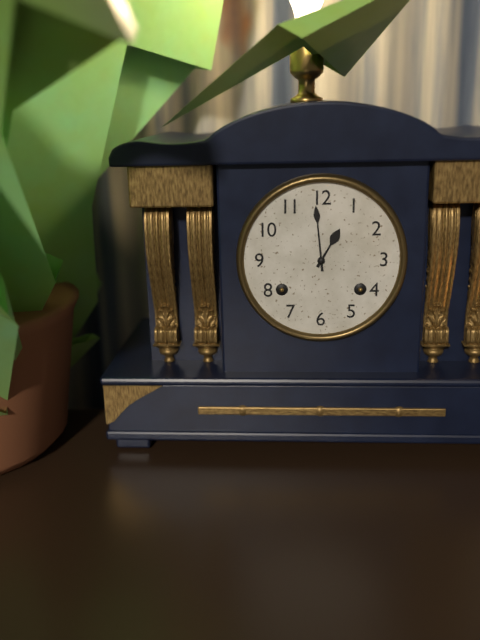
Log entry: **12:59**
